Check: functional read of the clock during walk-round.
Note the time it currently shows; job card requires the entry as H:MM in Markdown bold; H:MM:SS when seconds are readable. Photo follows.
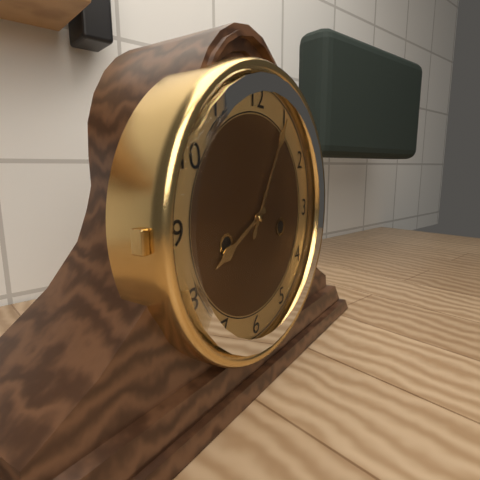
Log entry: **8:05**
